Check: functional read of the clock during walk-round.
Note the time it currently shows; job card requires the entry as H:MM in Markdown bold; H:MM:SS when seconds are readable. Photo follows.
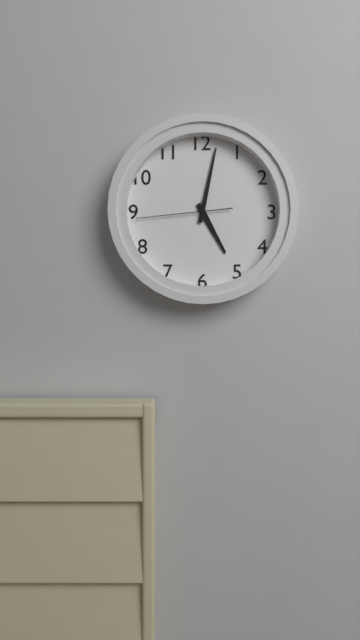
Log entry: **5:02:44**
